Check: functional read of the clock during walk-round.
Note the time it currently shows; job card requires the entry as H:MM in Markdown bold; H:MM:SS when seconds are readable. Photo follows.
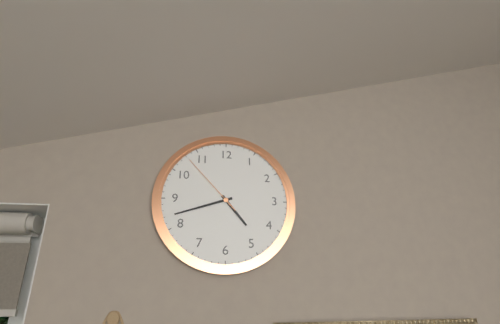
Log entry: **4:42:53**
